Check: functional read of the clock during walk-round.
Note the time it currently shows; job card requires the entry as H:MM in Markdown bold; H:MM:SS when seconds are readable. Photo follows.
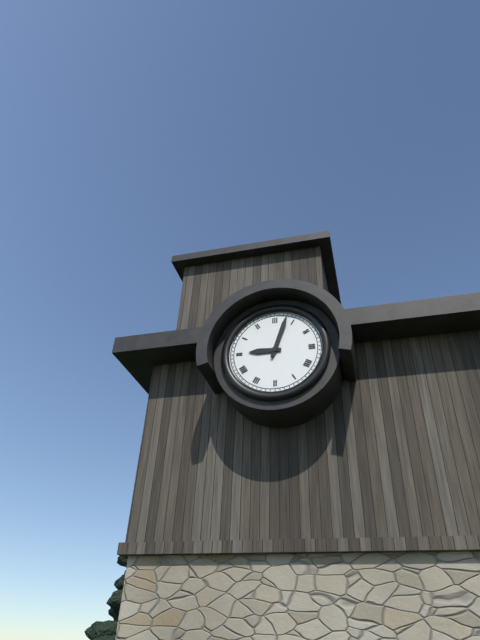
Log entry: **9:03**
